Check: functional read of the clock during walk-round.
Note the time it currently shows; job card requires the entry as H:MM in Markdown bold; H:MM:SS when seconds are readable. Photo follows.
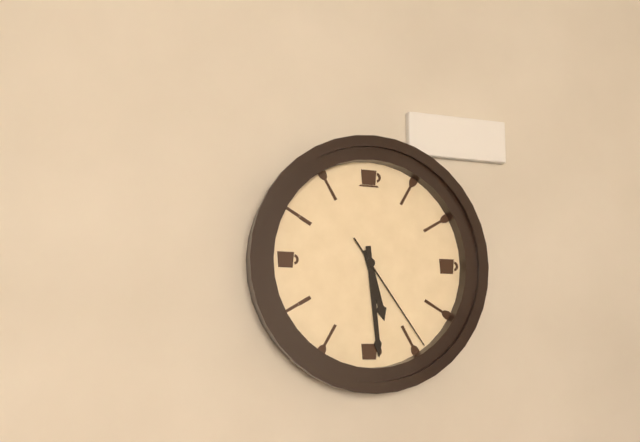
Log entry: **5:29:24**
